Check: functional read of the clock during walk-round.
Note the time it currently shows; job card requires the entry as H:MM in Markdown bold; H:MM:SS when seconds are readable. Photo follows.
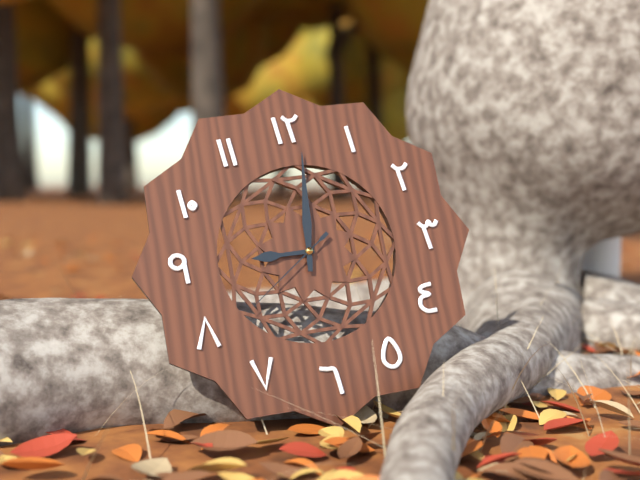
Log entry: **9:01:39**
